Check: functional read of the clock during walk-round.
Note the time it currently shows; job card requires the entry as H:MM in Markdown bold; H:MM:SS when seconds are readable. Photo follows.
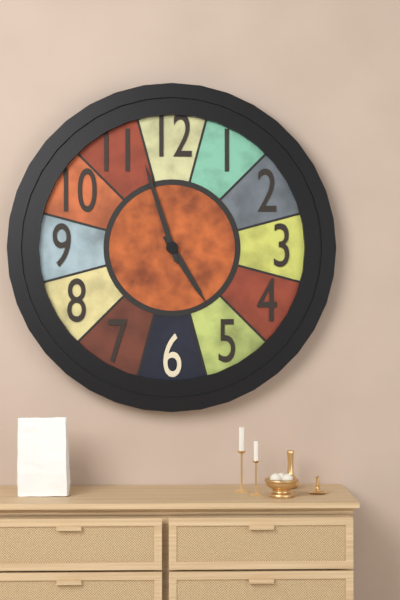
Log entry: **4:57**
